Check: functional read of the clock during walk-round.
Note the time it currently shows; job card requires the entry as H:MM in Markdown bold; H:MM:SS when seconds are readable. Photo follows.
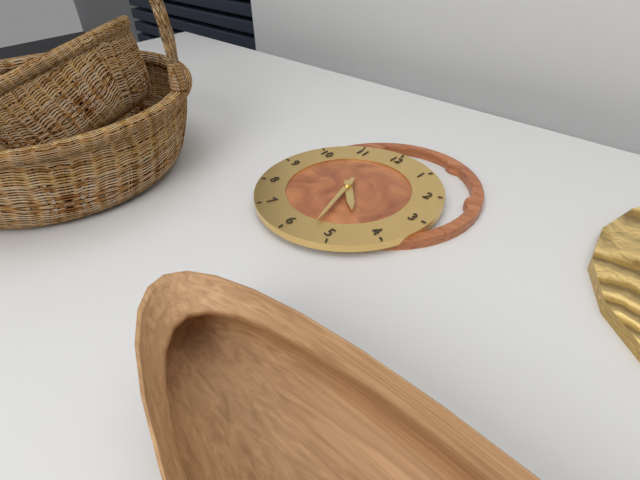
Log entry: **4:27**
